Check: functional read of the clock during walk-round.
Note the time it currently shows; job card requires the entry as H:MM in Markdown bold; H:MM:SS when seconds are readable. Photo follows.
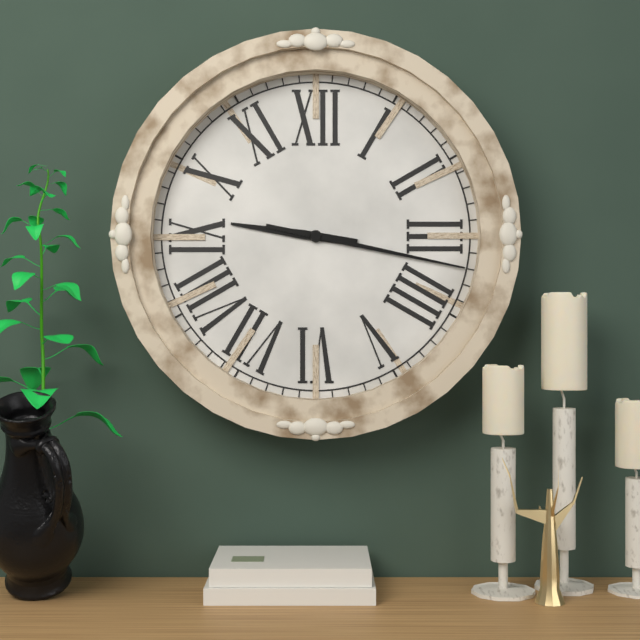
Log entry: **9:17**
